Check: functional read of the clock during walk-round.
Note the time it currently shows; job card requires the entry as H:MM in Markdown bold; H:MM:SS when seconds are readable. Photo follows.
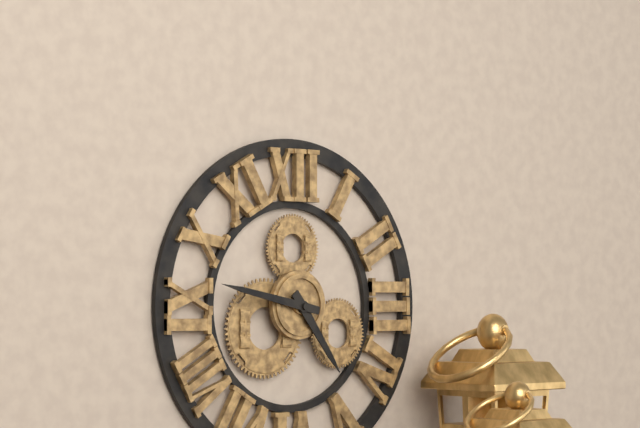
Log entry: **4:47**
